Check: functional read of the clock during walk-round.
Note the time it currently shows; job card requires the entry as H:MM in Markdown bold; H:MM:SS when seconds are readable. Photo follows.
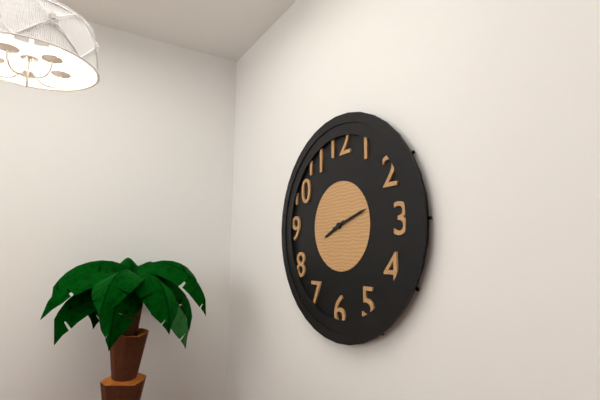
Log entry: **8:12**
